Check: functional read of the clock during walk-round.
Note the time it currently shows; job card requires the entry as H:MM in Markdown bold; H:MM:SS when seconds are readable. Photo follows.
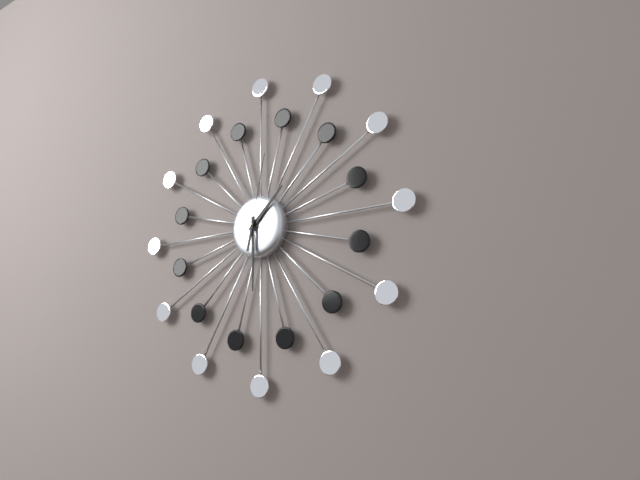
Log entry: **1:30:02**
